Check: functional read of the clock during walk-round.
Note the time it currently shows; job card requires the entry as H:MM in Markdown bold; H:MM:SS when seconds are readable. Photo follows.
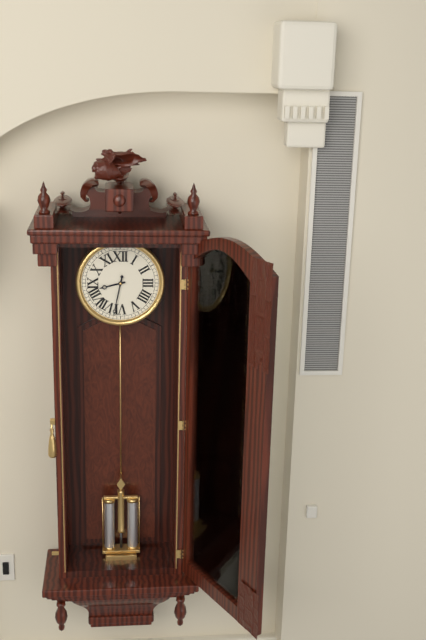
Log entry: **8:32**
